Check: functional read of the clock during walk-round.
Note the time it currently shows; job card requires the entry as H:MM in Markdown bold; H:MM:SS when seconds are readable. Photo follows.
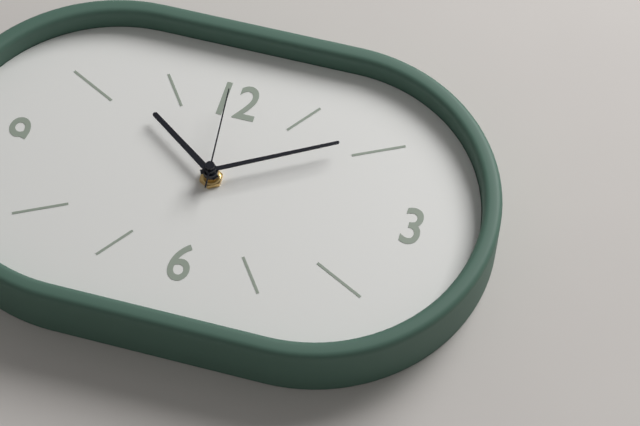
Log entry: **10:10:59**
